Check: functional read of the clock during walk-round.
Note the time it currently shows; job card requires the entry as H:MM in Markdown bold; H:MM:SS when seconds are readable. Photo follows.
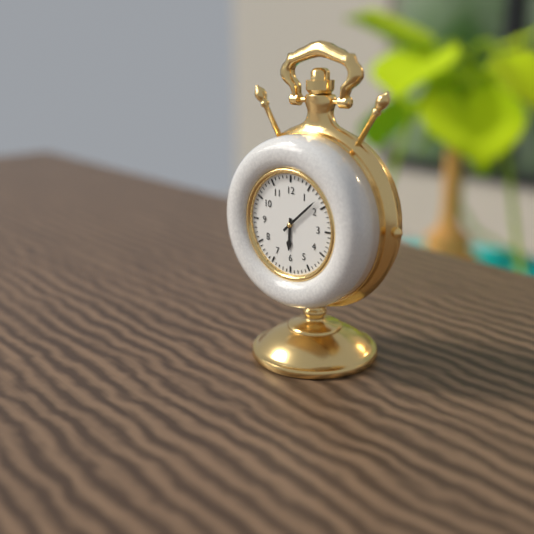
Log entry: **6:08**
